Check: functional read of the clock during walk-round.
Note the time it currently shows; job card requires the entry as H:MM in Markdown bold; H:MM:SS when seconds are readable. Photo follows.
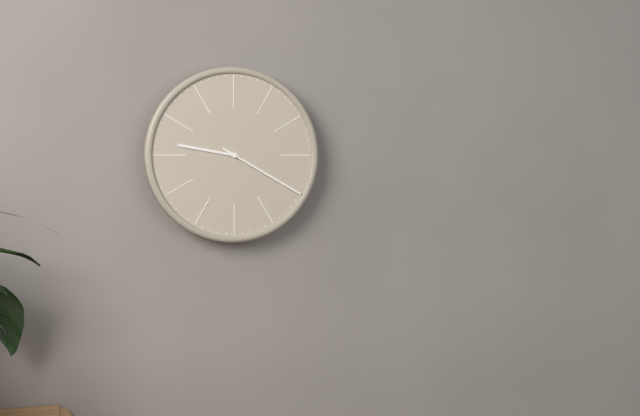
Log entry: **9:20**
